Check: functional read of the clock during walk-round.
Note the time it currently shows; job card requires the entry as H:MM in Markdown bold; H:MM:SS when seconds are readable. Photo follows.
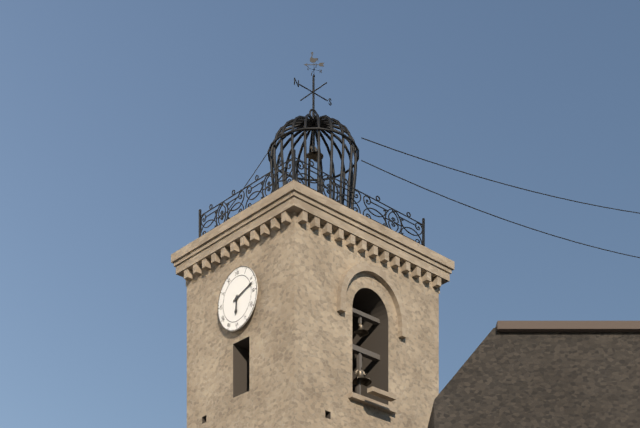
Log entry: **6:12**
